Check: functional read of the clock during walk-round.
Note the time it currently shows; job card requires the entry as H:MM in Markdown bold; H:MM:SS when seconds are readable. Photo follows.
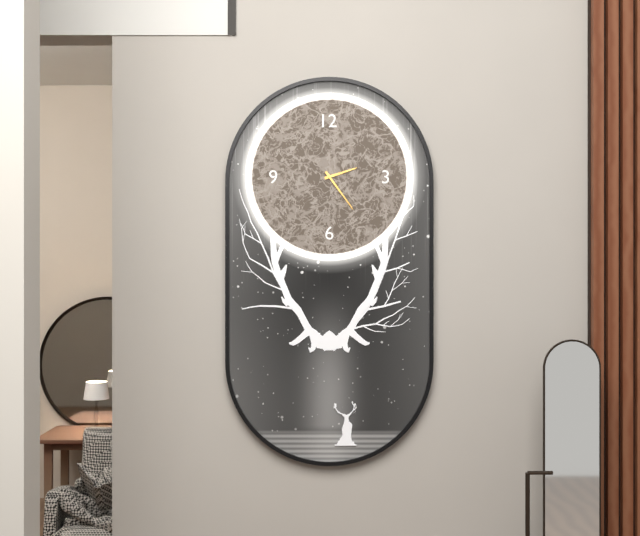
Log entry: **2:24**
